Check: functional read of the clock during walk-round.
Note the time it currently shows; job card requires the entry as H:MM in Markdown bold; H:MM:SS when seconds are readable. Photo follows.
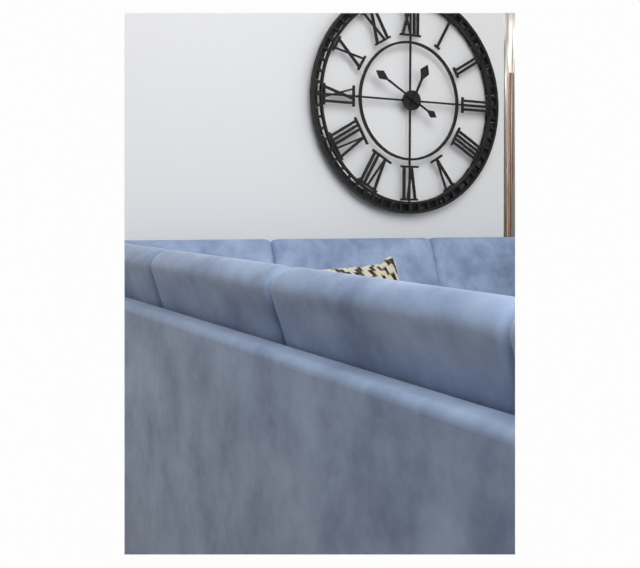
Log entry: **12:50**
